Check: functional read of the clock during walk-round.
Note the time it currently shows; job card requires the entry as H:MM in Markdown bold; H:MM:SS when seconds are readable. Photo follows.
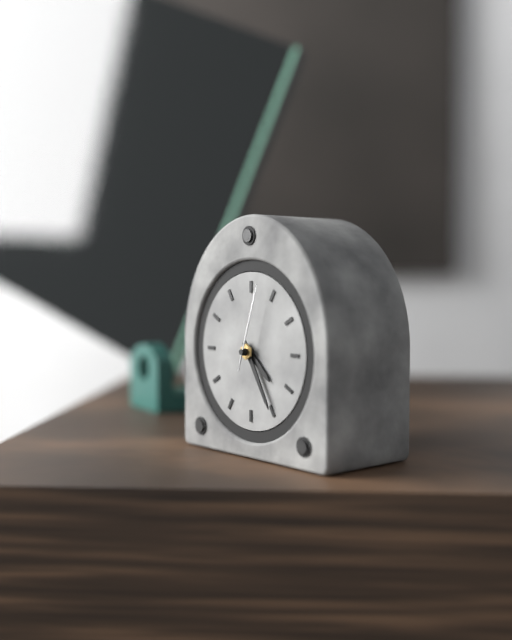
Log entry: **4:25:03**
